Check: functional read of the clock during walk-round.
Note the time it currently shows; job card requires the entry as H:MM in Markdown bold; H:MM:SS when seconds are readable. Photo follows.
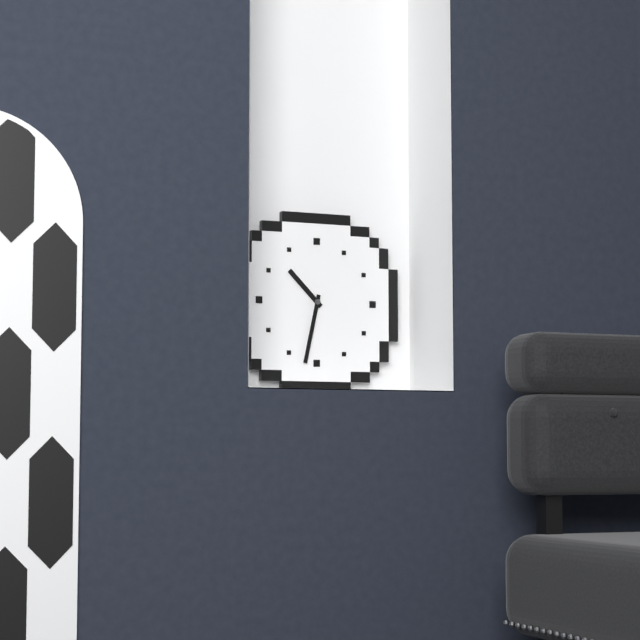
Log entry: **10:32**
